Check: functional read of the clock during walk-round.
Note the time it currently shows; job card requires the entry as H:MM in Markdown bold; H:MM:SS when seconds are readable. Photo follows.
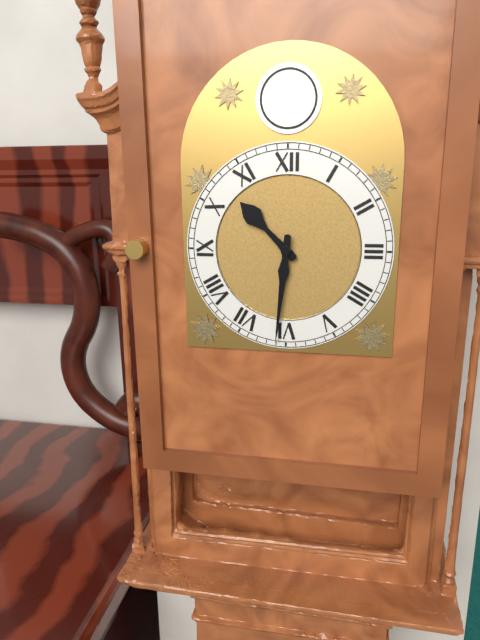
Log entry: **10:31**
